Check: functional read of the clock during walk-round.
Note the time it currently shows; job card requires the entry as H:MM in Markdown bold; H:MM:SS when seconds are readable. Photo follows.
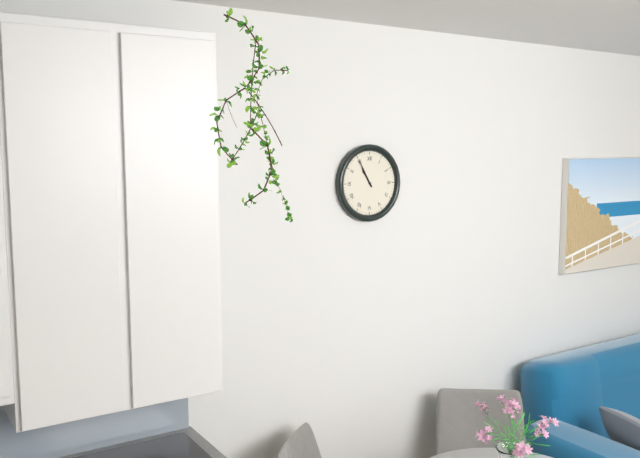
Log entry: **10:55**
